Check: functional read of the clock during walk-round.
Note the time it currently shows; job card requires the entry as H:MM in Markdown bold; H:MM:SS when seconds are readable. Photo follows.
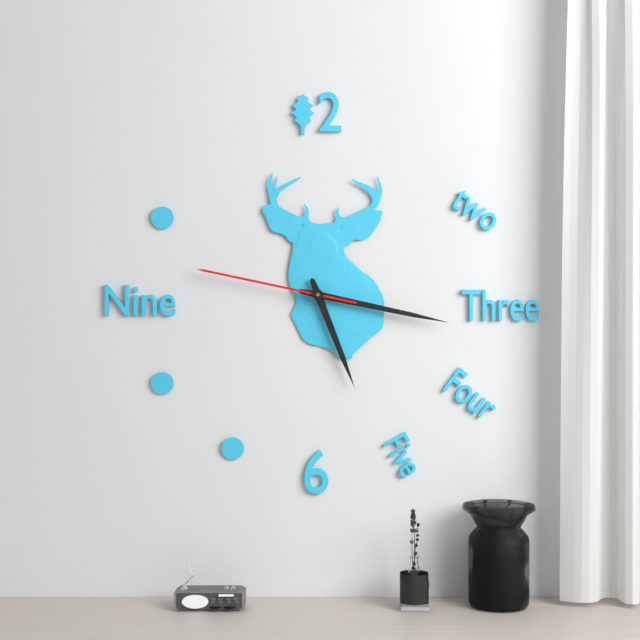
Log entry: **5:17:47**
